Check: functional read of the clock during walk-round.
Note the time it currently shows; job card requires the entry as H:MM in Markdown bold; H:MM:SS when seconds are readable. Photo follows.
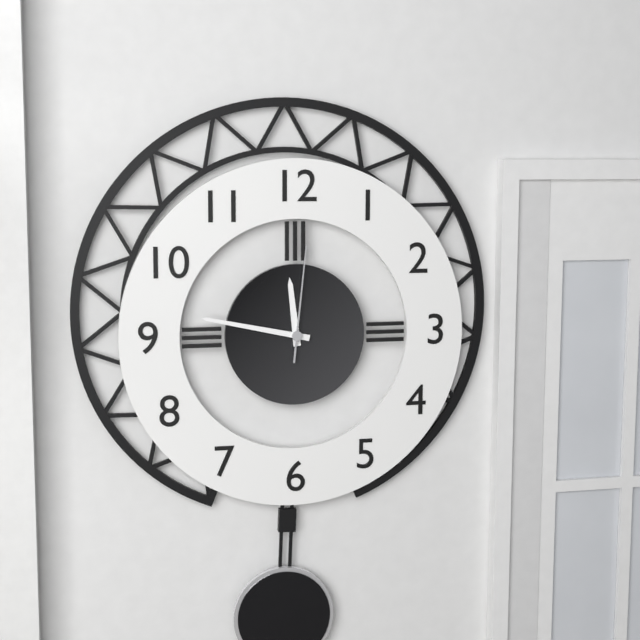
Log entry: **11:47:01**
